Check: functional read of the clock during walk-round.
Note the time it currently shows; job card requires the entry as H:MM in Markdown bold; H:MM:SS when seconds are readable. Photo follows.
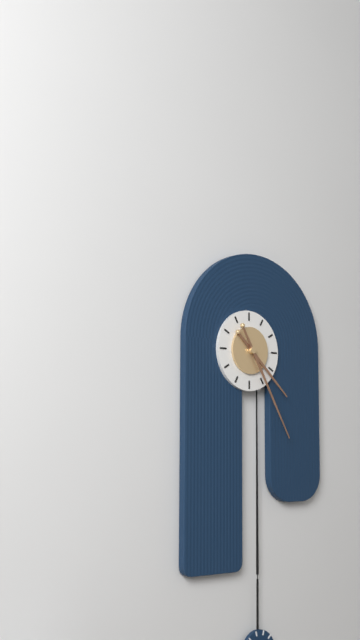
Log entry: **4:25**
